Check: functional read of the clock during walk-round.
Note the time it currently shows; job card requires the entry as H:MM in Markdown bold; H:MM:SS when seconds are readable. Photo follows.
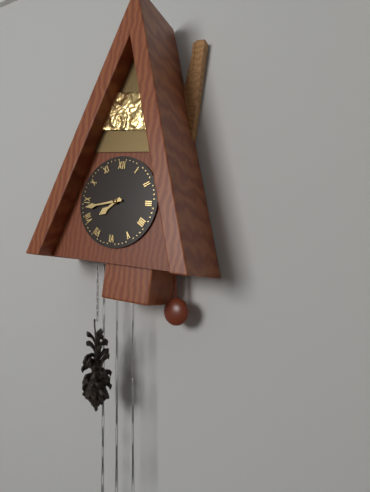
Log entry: **7:43**
